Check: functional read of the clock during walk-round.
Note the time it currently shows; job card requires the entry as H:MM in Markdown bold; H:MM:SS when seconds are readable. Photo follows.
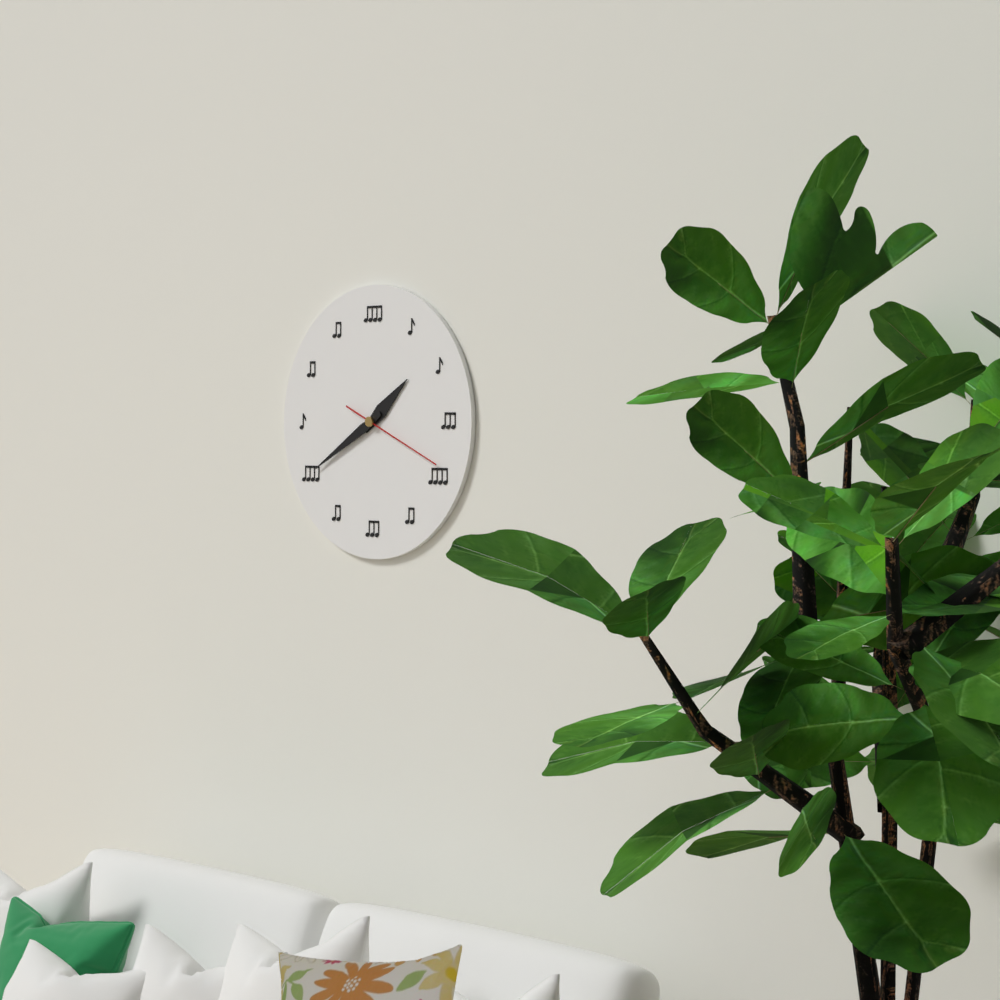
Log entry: **1:40:19**
